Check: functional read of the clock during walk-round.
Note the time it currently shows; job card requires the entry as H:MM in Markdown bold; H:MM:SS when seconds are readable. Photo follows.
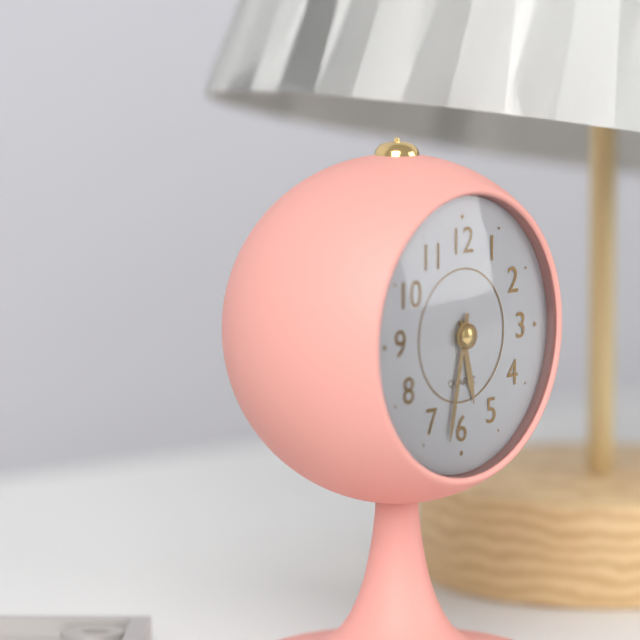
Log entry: **5:32**
